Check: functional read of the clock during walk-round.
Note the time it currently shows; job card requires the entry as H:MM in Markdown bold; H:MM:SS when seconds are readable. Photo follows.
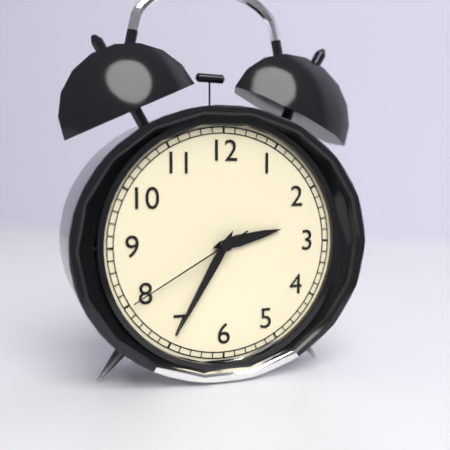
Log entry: **2:35:40**
